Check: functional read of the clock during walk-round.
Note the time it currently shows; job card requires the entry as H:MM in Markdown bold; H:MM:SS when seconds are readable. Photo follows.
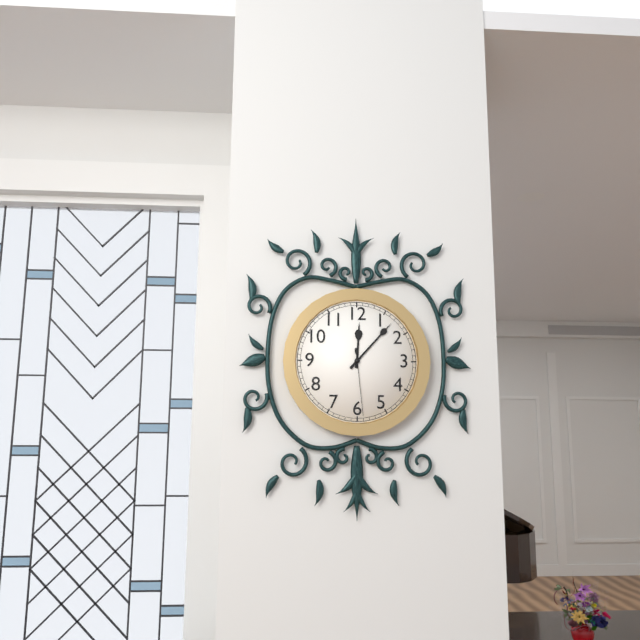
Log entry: **12:07:29**
